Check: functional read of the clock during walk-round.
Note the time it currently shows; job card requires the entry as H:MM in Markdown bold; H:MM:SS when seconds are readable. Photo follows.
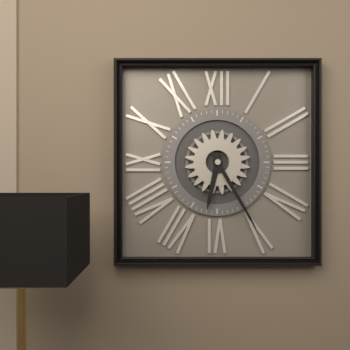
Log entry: **6:25**
